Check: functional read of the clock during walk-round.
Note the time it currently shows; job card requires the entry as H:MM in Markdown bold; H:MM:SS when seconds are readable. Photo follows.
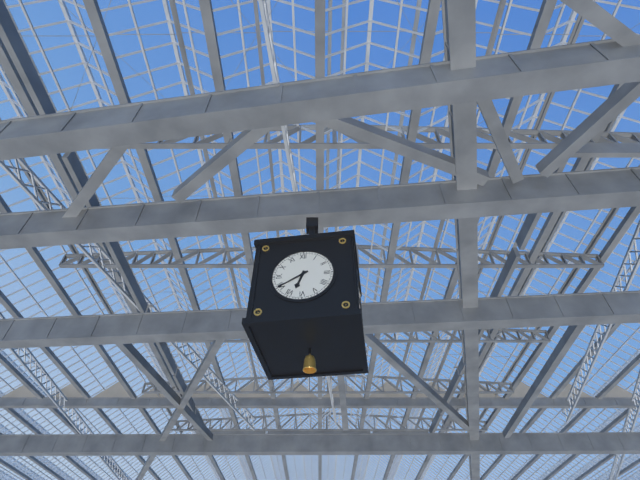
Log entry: **6:40**
